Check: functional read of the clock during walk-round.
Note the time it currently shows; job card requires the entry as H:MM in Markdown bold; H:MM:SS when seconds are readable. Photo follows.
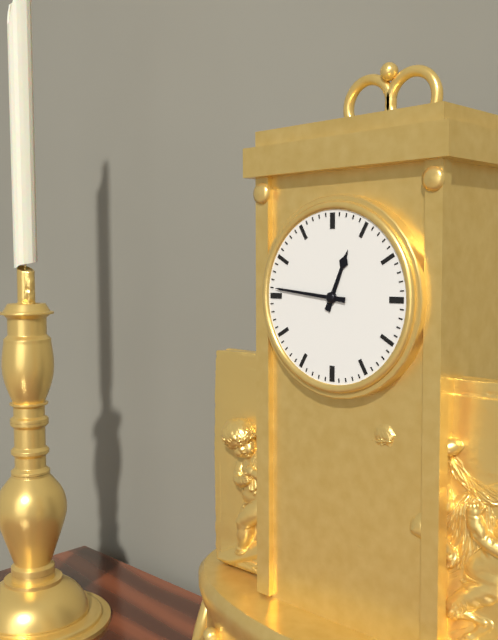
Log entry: **12:46**
